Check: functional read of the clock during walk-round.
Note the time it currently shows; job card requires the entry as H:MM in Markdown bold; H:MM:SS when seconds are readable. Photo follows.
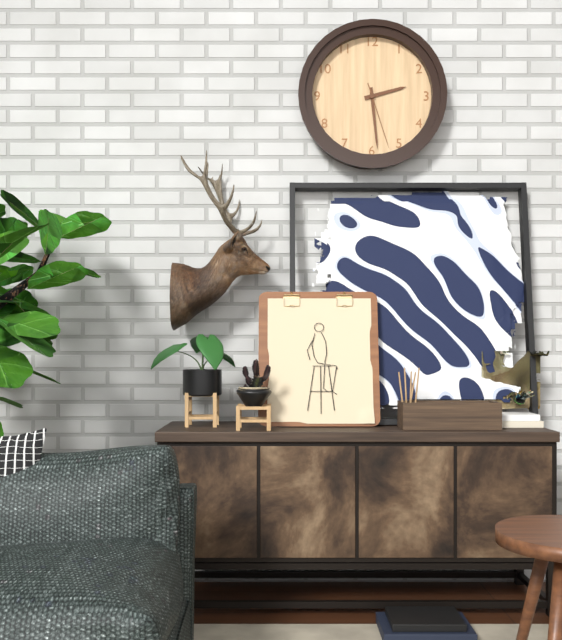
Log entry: **2:29:27**
